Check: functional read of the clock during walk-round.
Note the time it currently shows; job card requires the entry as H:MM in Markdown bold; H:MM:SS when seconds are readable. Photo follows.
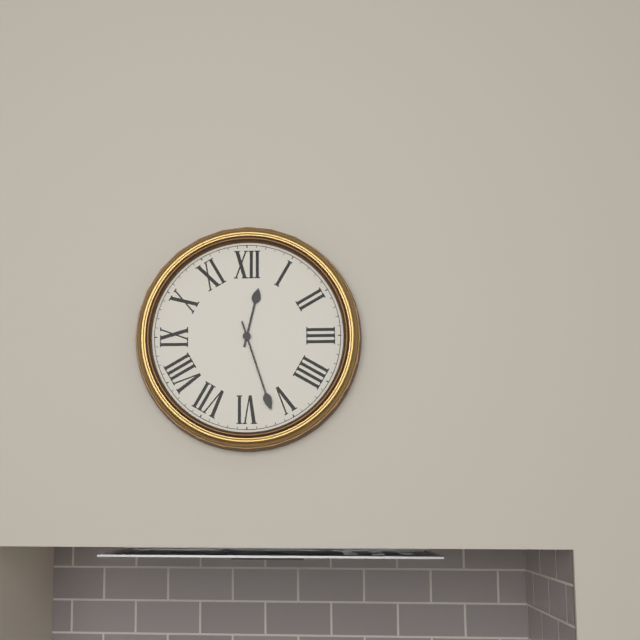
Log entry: **12:27**
